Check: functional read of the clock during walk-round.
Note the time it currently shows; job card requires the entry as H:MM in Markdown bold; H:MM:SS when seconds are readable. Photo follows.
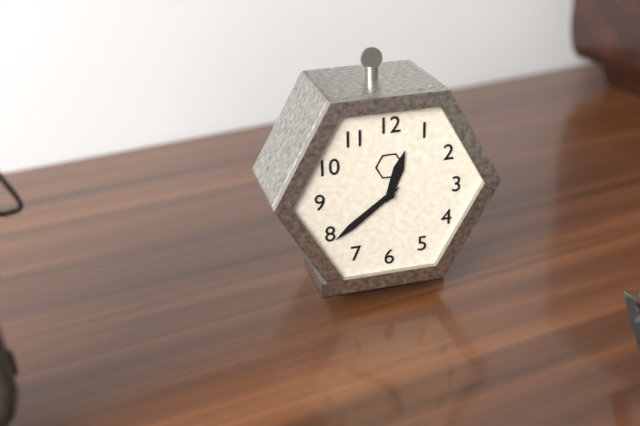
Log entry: **12:39**
